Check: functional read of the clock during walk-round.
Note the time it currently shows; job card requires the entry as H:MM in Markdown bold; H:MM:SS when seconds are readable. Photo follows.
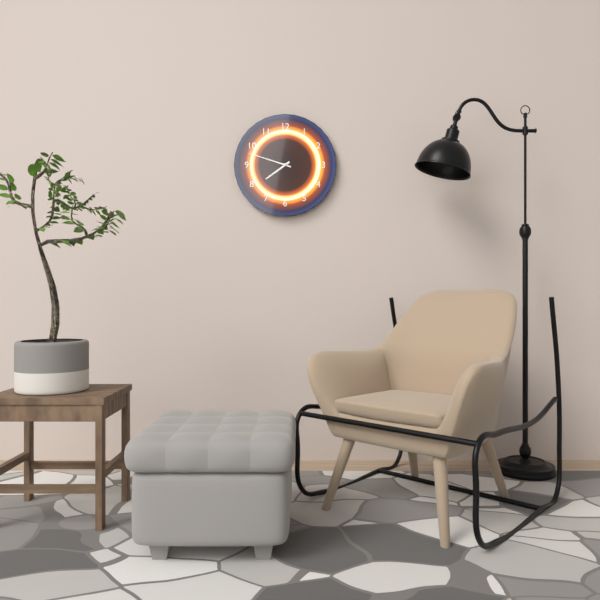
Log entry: **7:48**
